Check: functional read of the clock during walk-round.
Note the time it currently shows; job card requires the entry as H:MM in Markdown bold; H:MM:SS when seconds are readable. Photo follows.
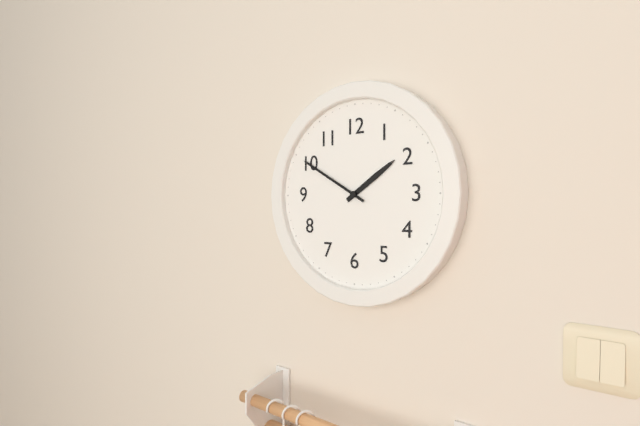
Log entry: **1:50**
